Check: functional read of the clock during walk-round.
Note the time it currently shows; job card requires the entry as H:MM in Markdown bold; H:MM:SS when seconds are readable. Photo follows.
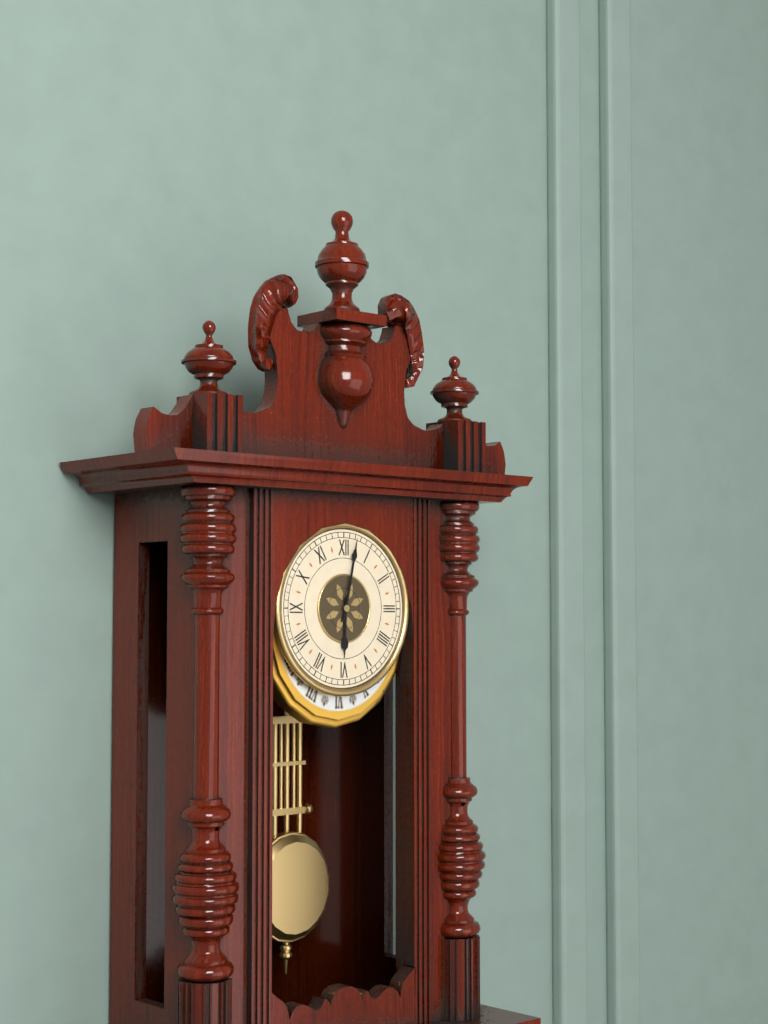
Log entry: **6:02**
